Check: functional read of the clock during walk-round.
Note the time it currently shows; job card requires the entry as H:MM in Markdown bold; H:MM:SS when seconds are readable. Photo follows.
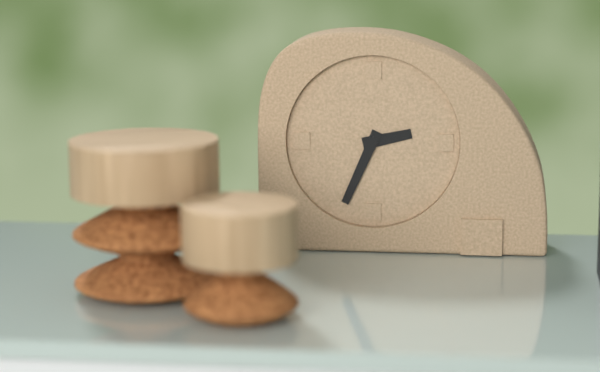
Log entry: **2:34**
